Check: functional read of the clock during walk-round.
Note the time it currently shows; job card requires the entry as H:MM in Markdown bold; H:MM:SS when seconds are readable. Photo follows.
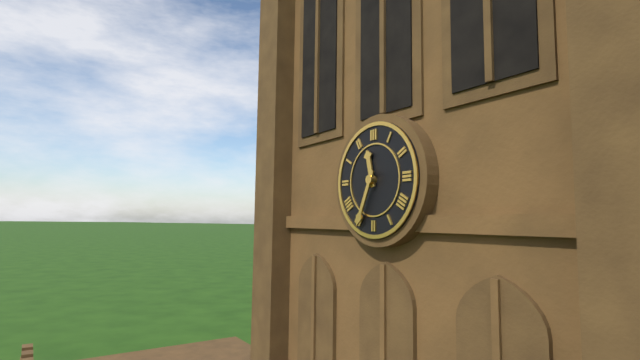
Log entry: **11:34**
